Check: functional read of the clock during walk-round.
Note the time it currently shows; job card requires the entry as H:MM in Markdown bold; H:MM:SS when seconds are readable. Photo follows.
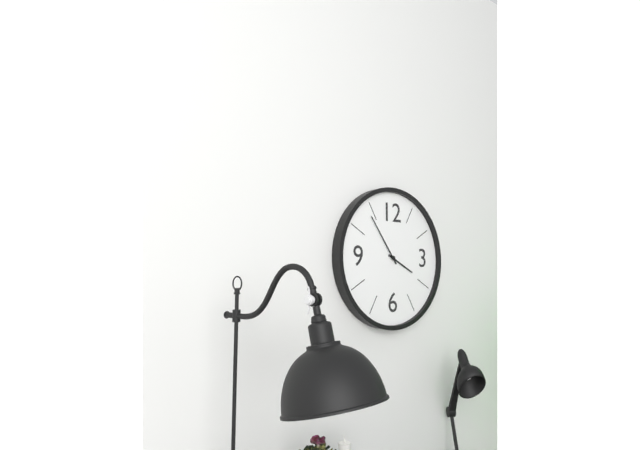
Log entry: **3:54**
